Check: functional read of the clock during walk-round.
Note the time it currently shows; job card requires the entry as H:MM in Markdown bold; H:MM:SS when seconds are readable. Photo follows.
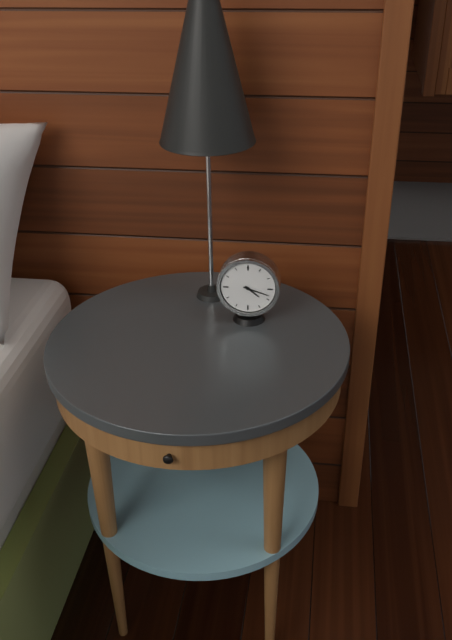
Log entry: **4:18**
